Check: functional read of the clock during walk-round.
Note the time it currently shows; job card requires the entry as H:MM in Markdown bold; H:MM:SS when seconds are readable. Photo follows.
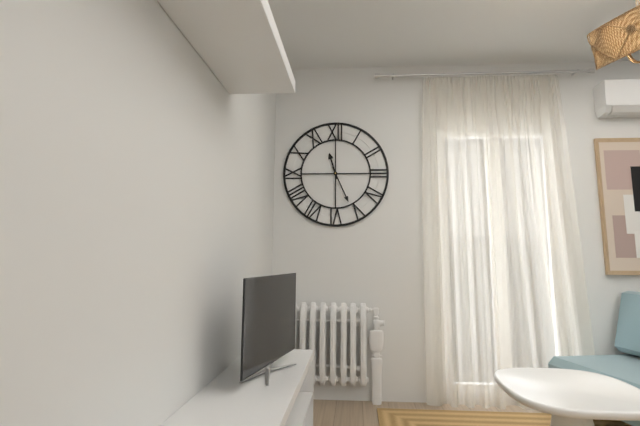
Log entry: **11:26**
